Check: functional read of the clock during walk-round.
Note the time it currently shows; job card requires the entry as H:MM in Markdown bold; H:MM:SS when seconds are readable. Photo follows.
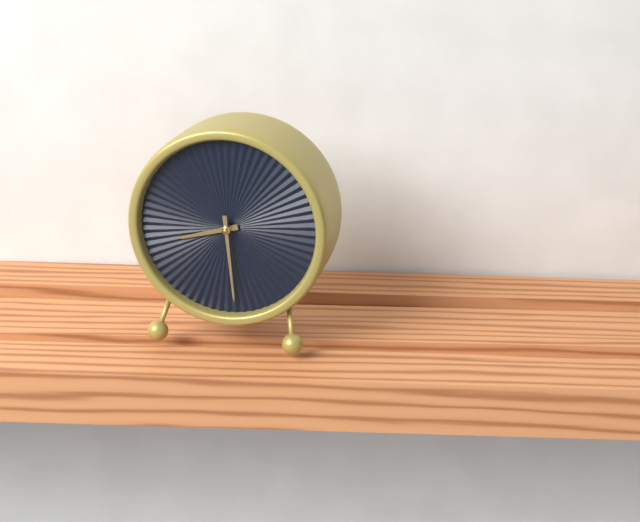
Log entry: **8:29**
